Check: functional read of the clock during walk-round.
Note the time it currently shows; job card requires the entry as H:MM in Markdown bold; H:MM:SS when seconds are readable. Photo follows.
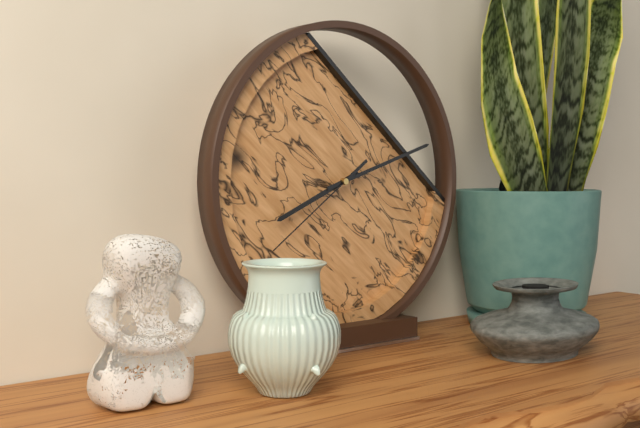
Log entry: **8:12:39**
